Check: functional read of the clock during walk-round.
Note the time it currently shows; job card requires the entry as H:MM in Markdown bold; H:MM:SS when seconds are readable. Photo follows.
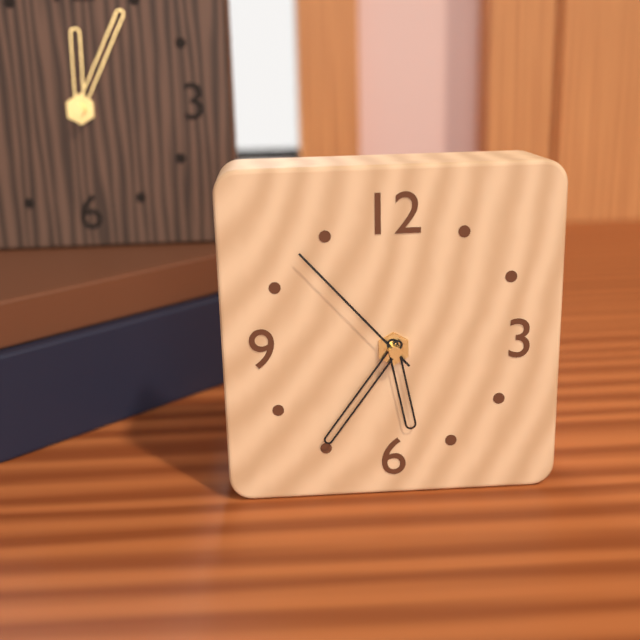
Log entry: **5:36:53**
